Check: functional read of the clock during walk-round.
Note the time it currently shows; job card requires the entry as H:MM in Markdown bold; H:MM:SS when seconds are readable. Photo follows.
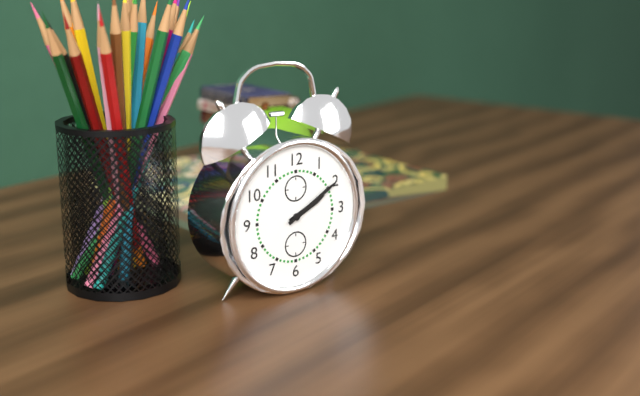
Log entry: **2:10**
